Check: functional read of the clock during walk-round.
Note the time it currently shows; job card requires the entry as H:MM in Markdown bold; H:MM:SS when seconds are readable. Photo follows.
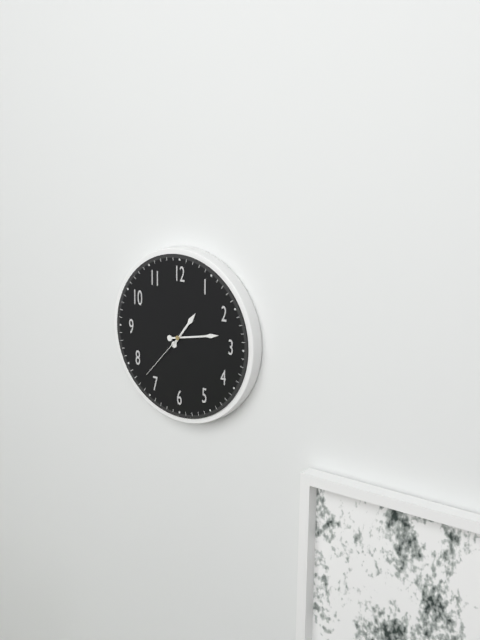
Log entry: **1:13:37**
